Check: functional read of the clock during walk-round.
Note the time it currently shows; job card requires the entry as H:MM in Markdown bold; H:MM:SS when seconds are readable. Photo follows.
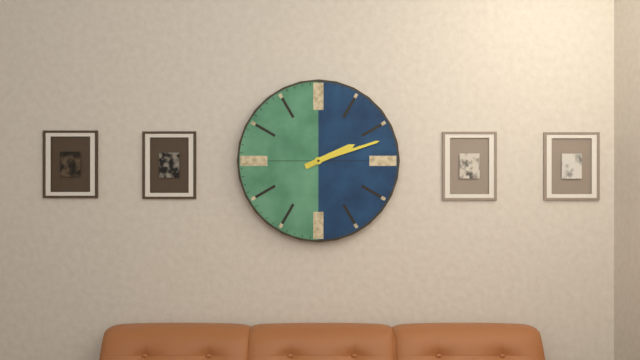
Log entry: **2:12**
